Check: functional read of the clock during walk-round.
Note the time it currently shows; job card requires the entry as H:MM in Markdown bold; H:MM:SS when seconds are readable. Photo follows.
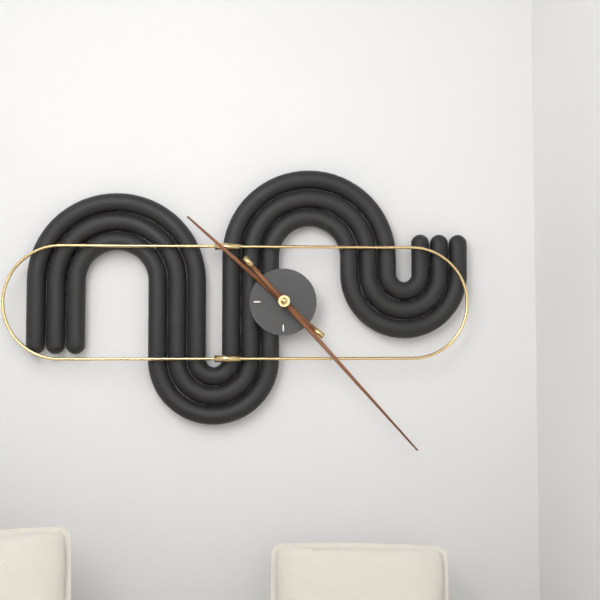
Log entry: **10:23**
